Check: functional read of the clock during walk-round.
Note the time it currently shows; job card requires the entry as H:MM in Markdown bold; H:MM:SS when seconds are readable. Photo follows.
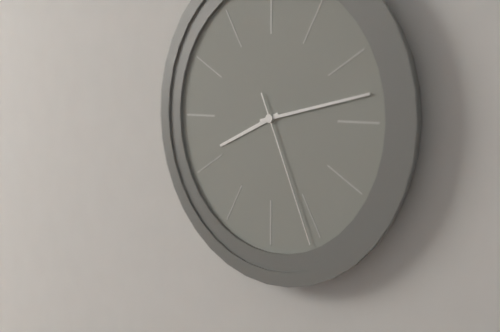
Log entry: **8:13:26**
